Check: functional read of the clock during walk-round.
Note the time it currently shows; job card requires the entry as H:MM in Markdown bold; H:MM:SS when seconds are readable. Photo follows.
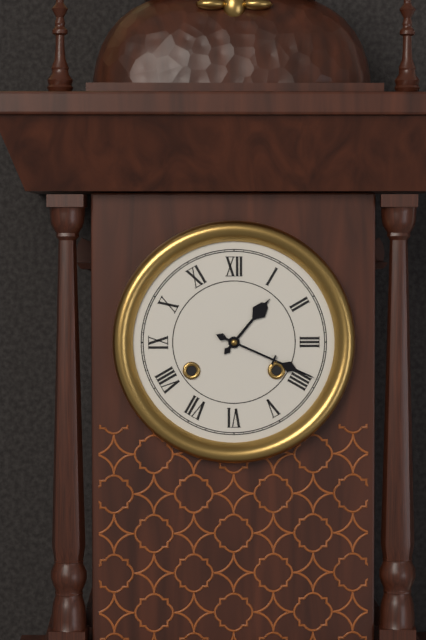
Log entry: **1:19**
